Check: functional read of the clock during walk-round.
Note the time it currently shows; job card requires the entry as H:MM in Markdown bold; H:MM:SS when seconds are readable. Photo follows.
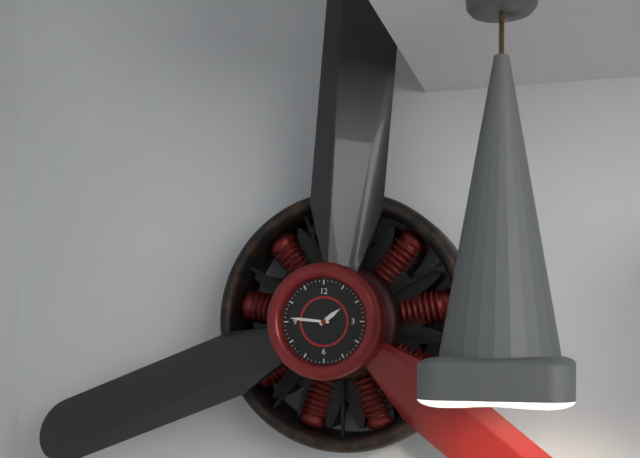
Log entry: **1:46**
